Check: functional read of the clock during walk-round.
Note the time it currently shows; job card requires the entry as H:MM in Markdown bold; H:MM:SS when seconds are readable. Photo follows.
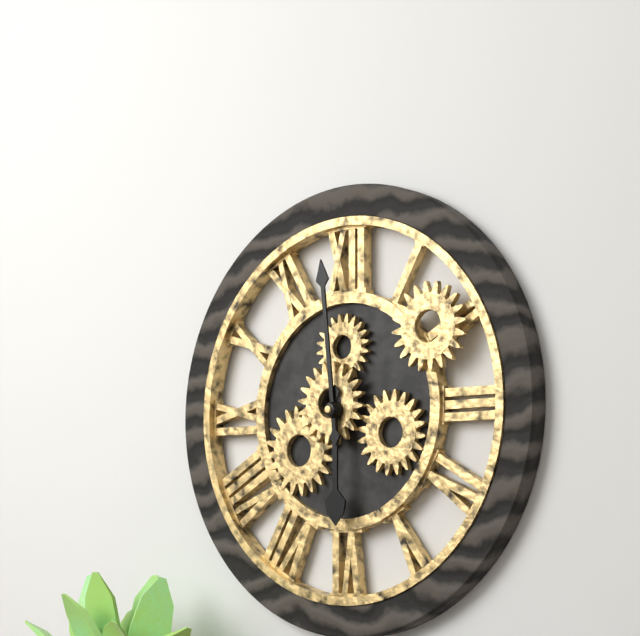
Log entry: **5:59**
